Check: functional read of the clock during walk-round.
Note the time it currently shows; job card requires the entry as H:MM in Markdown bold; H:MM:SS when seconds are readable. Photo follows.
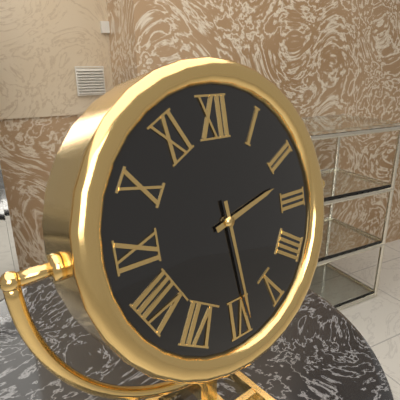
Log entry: **2:29**
